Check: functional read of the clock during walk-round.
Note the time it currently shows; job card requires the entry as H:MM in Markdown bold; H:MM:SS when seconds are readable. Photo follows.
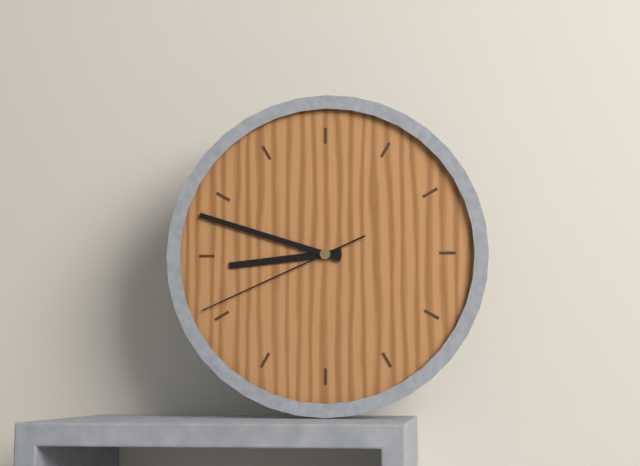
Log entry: **8:48:41**
